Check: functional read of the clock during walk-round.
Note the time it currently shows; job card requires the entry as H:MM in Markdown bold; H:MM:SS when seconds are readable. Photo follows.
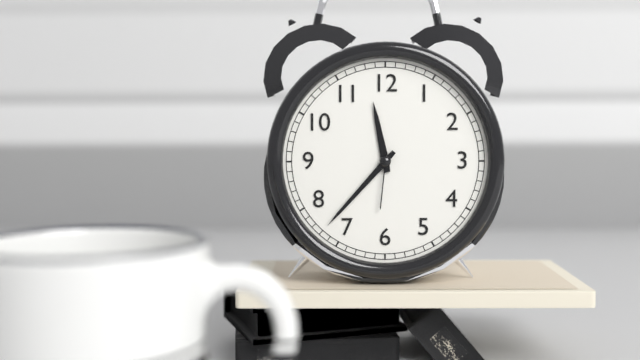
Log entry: **11:37:31**
